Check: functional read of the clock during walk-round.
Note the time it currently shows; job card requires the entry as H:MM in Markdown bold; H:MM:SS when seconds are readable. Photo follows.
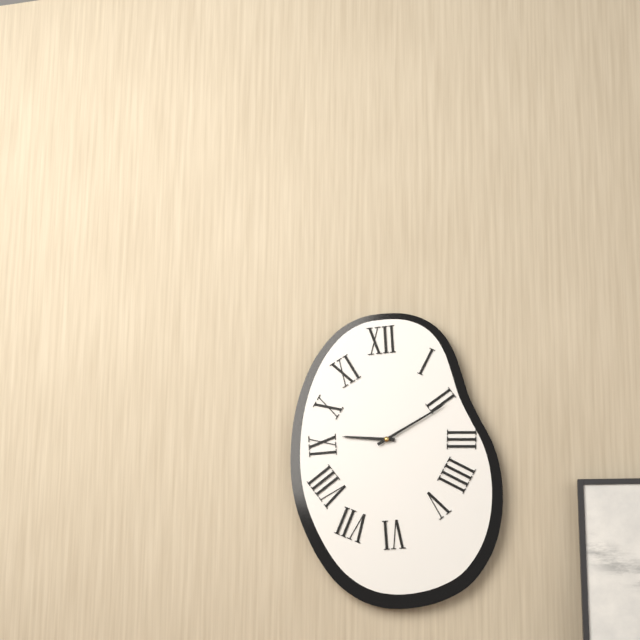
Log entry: **9:10**
